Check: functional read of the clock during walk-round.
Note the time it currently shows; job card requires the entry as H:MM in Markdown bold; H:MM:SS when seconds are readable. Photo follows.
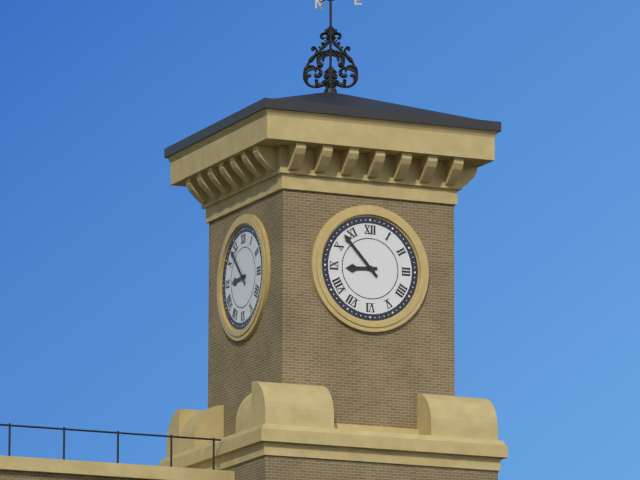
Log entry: **8:53**
